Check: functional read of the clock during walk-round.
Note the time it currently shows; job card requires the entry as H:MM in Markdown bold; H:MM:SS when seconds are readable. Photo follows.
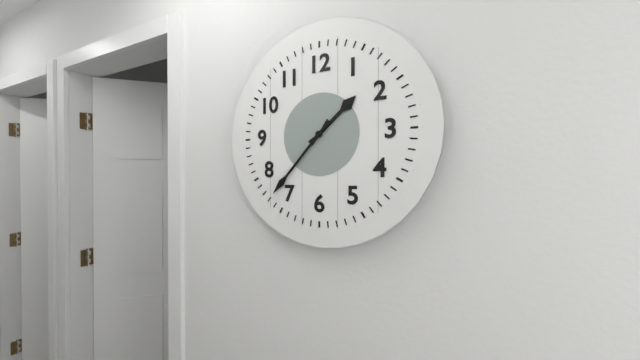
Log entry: **1:37**
